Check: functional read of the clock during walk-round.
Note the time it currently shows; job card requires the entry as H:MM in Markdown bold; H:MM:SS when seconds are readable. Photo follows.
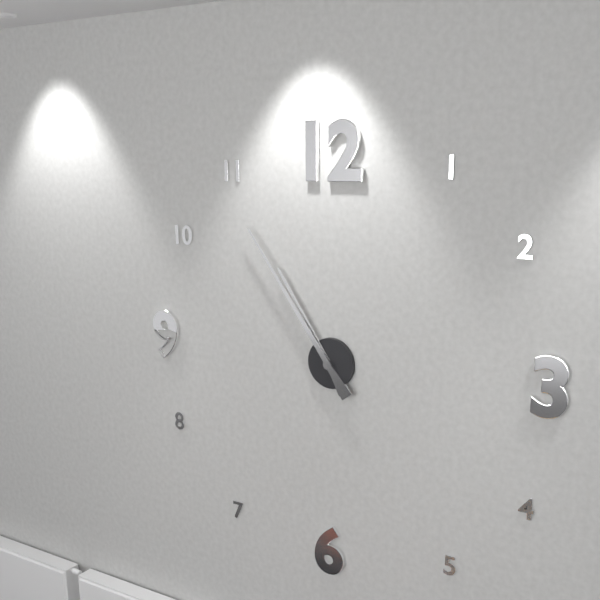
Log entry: **10:54**
